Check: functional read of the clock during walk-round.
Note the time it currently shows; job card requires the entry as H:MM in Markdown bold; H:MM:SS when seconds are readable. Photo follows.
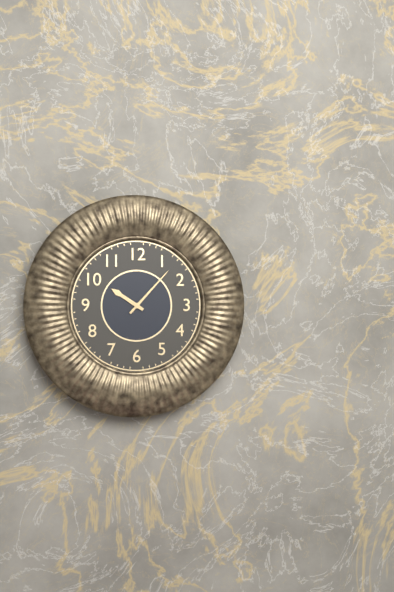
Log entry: **10:07**
